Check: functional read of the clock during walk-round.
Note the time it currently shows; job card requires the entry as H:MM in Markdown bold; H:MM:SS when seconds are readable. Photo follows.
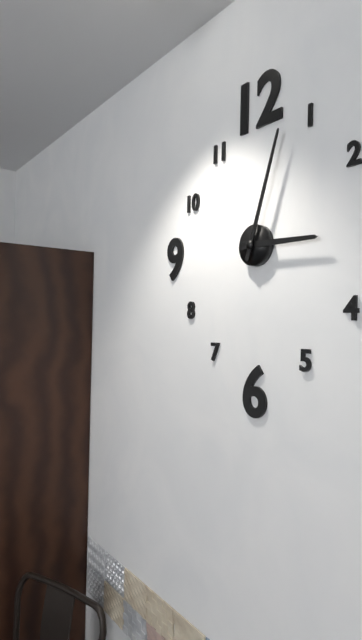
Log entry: **3:03**
